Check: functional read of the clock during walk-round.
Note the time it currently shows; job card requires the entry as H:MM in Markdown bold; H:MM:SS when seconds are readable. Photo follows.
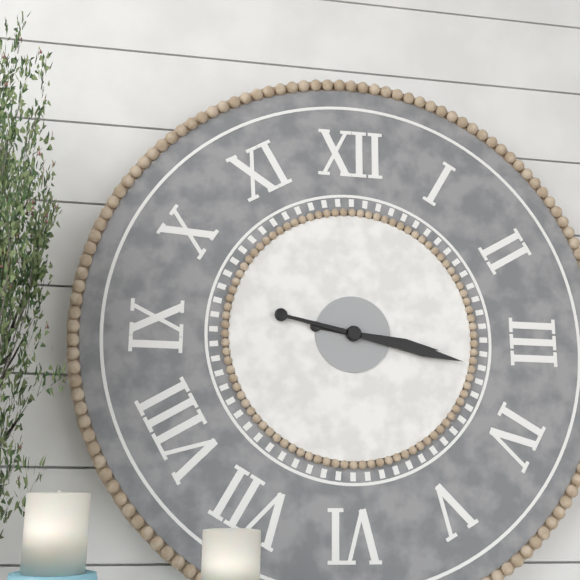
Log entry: **3:17**
